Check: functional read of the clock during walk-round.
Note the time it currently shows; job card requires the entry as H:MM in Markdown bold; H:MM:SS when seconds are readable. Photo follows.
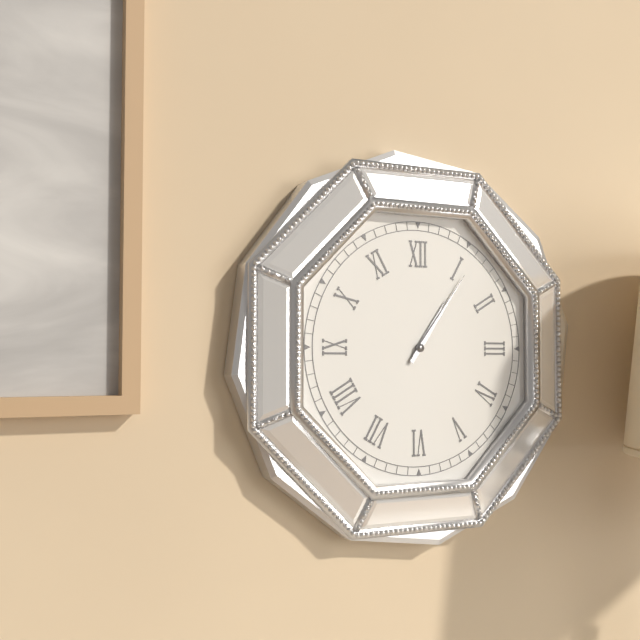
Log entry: **1:06**
